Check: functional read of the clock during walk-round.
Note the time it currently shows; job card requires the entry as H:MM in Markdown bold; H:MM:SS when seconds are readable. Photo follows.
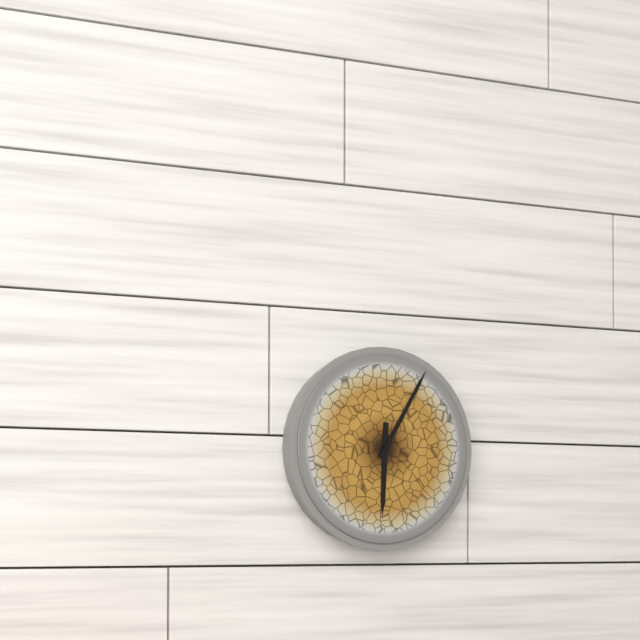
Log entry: **6:05**
